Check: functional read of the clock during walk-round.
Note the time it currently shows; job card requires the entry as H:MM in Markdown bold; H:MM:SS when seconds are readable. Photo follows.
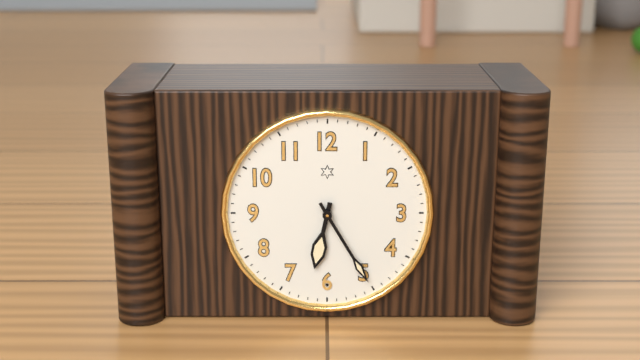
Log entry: **6:25**
